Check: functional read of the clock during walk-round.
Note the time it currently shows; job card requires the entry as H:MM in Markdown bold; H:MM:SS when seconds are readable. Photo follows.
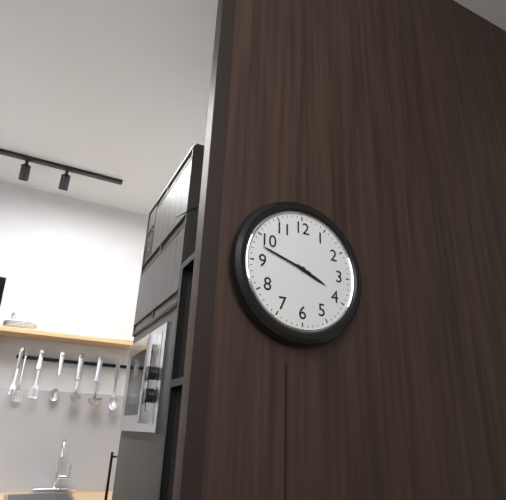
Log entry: **3:48**
